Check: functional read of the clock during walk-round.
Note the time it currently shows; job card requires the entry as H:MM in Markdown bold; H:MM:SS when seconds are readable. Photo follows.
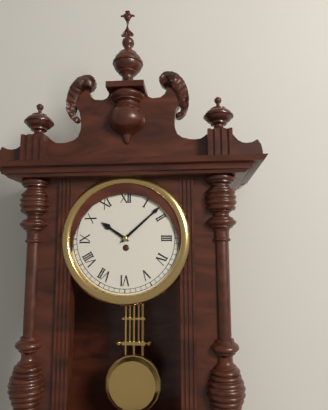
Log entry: **10:08**
